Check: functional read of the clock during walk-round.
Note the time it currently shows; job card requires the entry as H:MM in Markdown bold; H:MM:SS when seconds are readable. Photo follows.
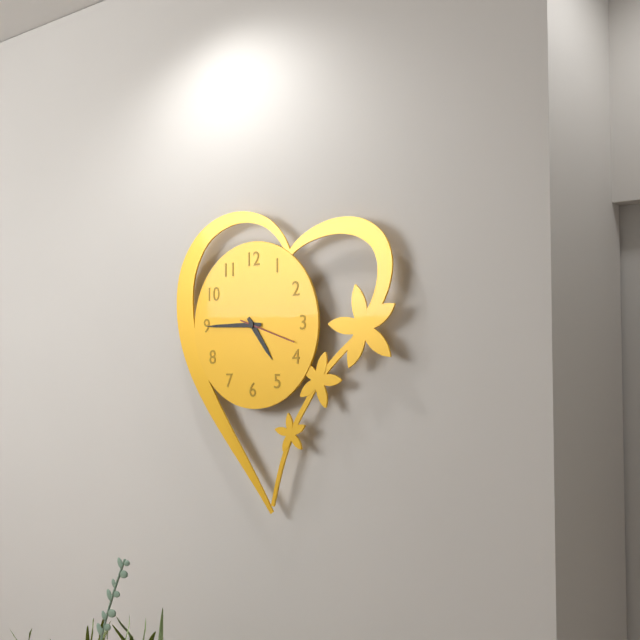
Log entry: **4:45:18**
